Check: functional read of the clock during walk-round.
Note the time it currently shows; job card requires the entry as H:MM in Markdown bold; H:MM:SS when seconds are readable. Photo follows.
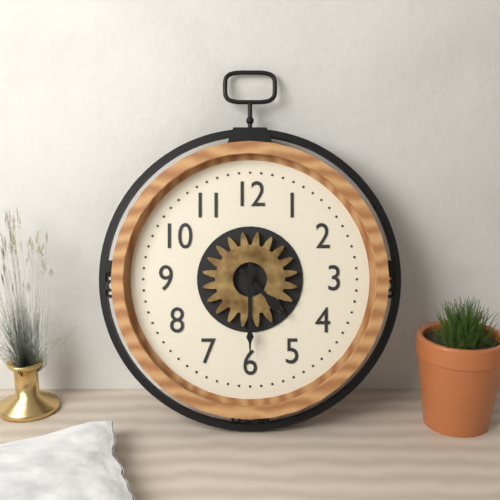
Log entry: **4:30**
